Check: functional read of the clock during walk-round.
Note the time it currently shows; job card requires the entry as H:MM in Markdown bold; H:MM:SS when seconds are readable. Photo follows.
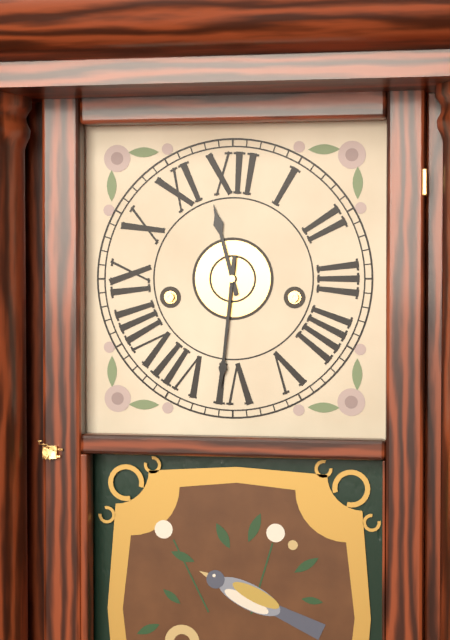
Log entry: **11:31**
